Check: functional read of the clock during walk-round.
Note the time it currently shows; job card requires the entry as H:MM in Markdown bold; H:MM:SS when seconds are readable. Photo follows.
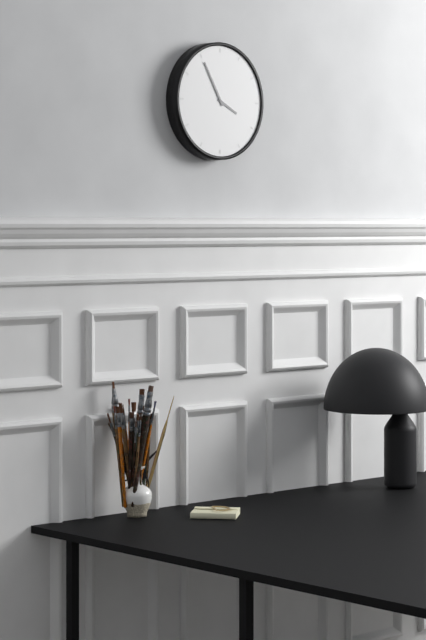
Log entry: **3:55**
